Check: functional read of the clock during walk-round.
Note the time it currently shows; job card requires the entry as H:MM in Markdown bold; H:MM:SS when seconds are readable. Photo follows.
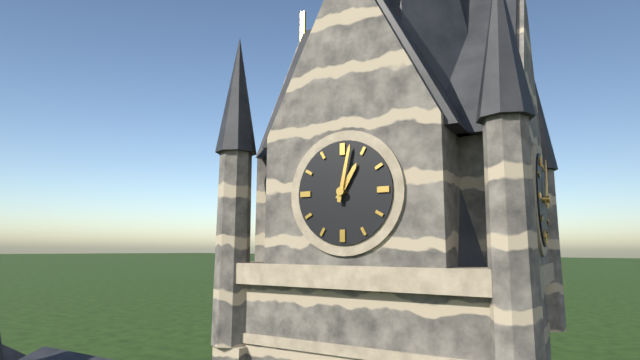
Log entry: **1:02**
